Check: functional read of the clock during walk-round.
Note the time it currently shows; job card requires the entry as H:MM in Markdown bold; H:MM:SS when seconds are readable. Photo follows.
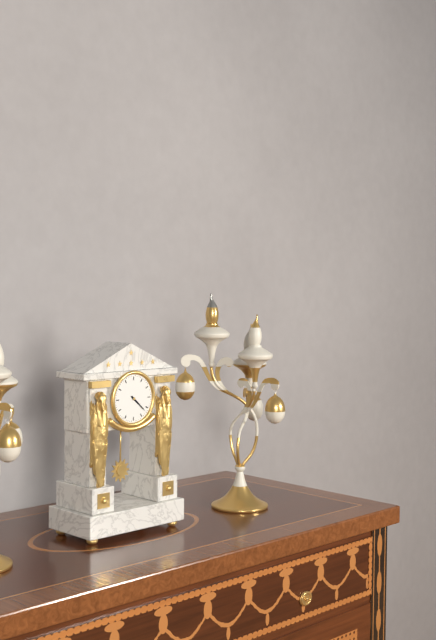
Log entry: **4:22**
